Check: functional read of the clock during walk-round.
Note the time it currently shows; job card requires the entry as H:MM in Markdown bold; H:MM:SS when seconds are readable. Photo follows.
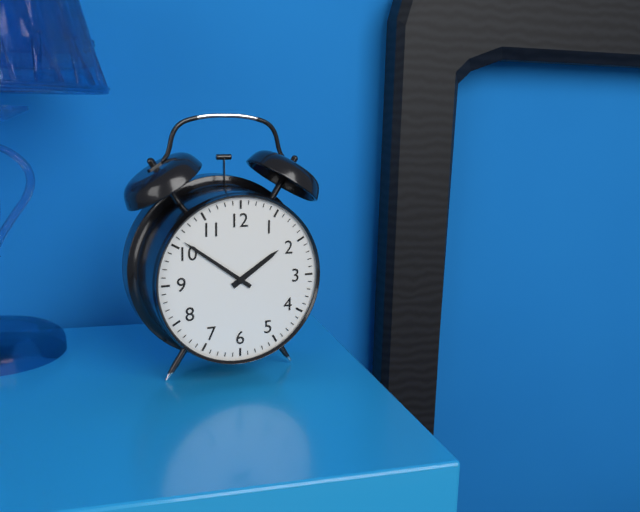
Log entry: **1:51**
